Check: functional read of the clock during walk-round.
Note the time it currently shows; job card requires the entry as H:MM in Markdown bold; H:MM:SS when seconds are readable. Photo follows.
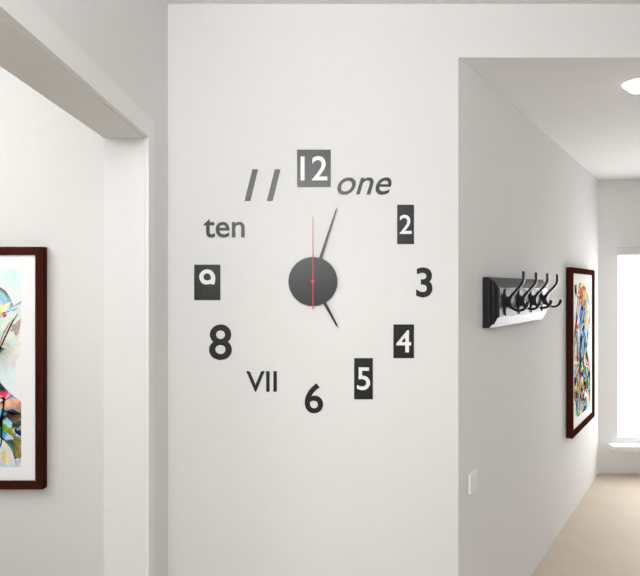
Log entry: **5:03:00**
